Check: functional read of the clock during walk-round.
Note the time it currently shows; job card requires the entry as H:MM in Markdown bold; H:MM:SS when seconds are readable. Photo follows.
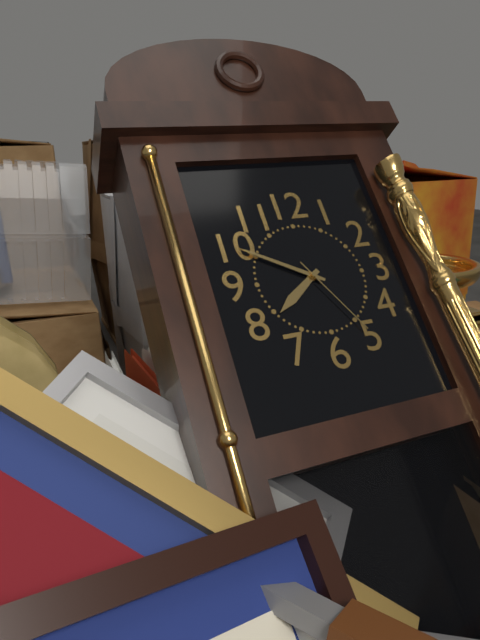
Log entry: **7:50:25**
